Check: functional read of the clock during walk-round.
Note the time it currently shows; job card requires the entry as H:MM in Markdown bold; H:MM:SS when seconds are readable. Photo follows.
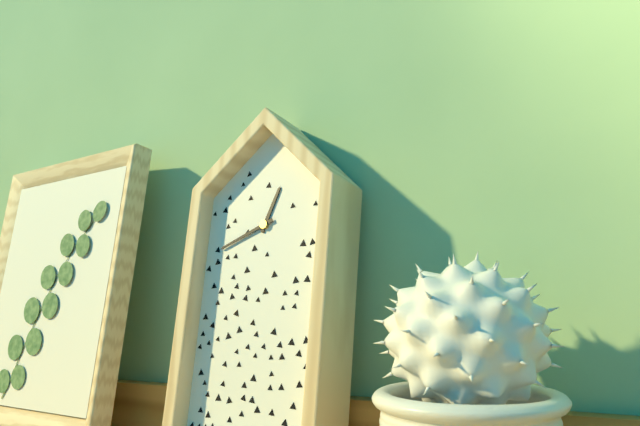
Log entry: **12:41**
